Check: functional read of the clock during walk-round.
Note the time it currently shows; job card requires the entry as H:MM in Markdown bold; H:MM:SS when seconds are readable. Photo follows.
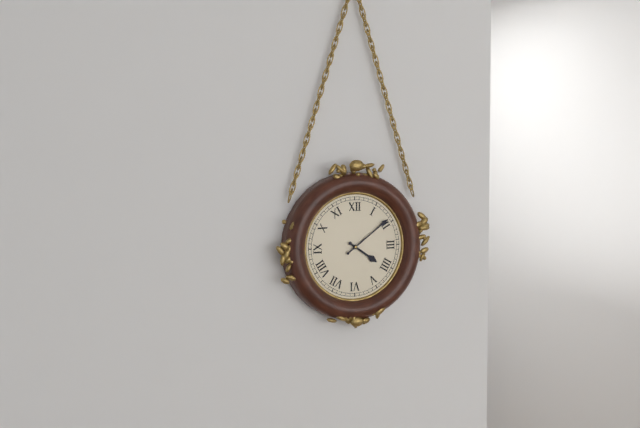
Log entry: **4:09**
